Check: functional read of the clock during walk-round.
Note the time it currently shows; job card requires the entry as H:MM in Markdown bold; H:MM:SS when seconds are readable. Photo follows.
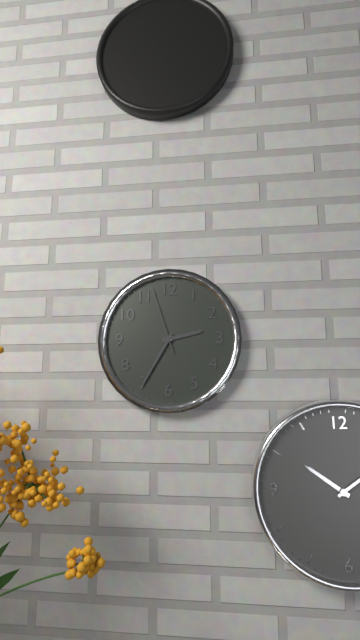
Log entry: **2:35:57**
